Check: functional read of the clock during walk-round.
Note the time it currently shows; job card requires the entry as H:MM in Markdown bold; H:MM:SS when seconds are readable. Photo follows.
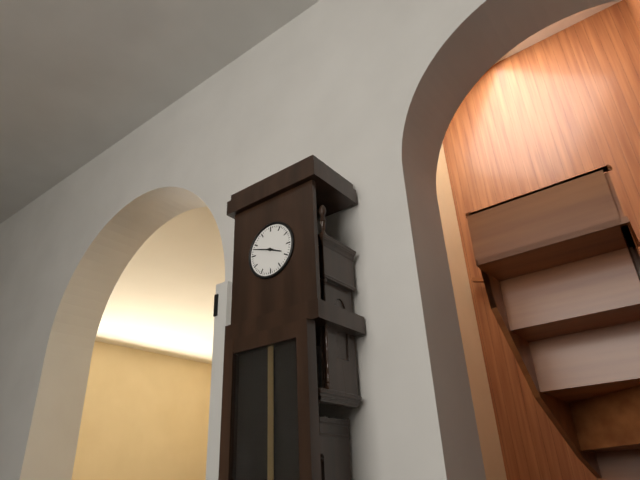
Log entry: **3:48**
